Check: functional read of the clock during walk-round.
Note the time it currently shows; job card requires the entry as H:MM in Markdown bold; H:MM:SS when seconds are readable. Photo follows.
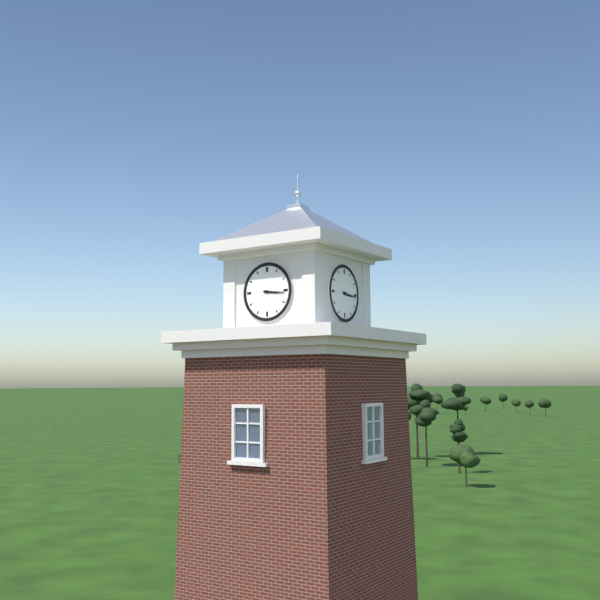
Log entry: **3:16**
